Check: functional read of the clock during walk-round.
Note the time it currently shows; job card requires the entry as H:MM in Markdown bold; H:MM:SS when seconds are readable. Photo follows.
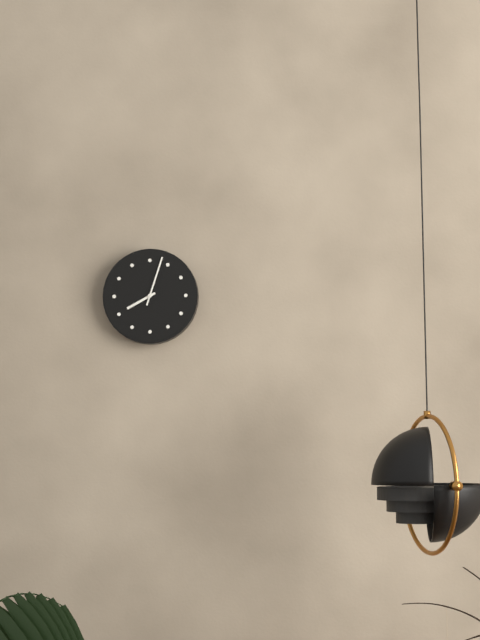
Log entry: **8:03**
